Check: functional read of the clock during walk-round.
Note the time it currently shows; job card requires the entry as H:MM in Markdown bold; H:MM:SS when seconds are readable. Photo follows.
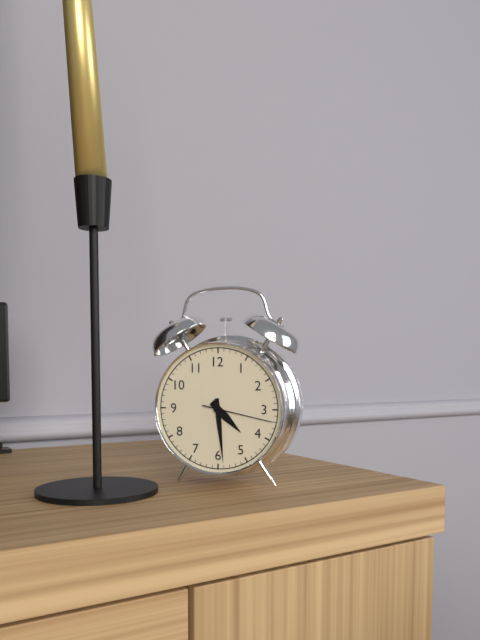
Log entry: **4:29:17**
